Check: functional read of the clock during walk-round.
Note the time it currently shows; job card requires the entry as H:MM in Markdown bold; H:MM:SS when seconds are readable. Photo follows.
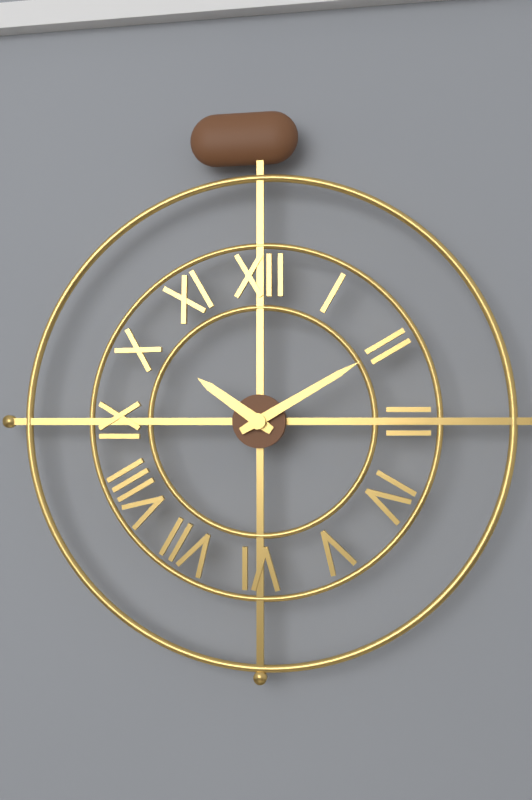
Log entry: **10:10**
